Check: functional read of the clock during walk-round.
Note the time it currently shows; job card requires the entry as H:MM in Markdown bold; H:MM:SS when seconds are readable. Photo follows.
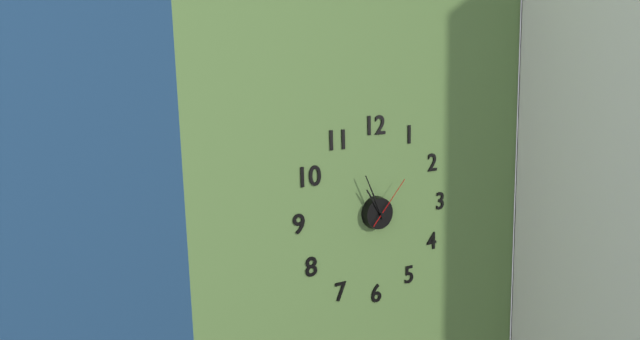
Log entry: **10:56:07**
